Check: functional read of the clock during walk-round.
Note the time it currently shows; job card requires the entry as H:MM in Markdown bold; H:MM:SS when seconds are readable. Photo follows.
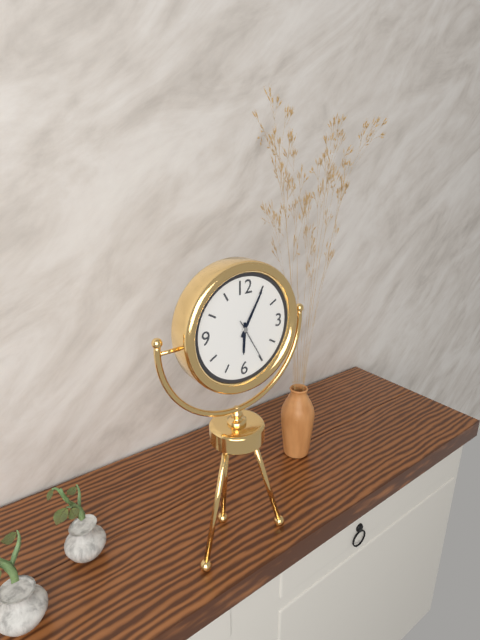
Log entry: **6:05**
